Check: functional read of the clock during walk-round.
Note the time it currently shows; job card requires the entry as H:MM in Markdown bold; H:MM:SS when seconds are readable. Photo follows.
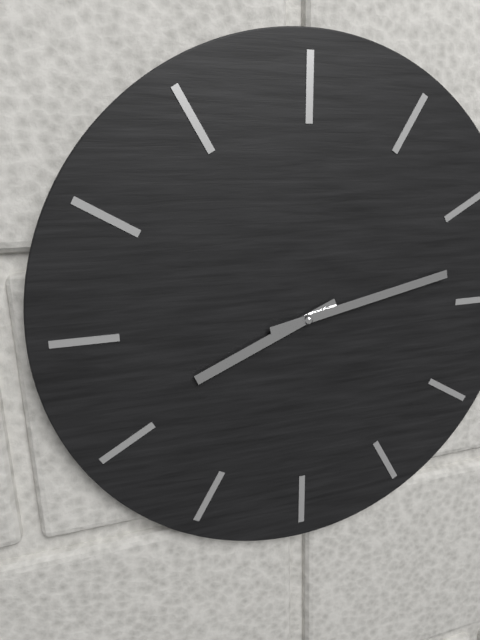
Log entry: **8:13**
